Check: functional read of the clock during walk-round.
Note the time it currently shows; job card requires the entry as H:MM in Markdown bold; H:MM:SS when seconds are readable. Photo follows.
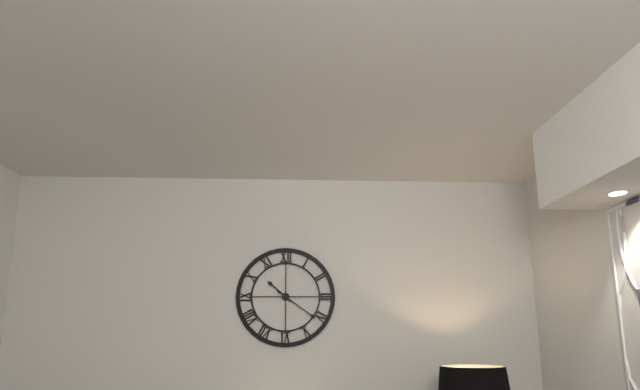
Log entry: **10:21**
